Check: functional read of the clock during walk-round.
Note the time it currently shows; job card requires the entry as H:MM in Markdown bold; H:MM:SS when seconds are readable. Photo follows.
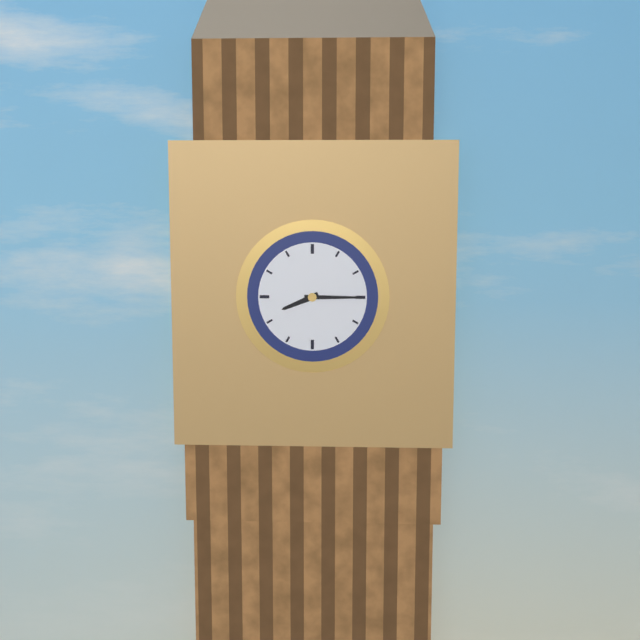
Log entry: **8:15**
